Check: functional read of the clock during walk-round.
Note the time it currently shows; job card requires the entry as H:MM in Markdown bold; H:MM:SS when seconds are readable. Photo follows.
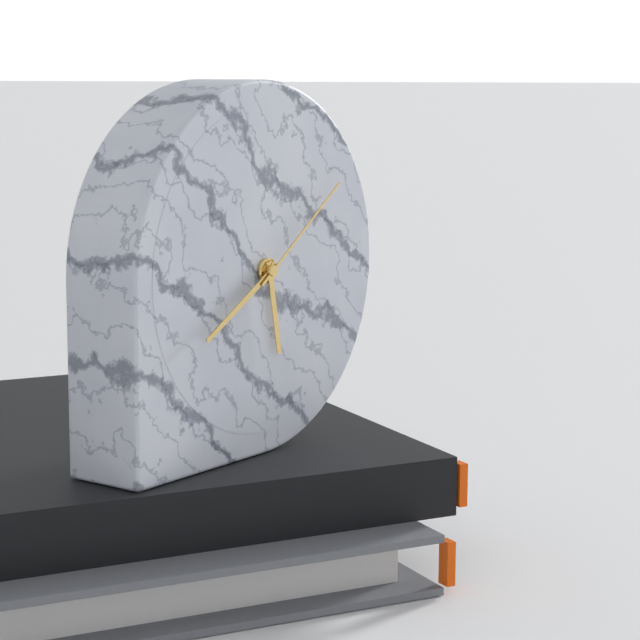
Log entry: **5:40:09**
